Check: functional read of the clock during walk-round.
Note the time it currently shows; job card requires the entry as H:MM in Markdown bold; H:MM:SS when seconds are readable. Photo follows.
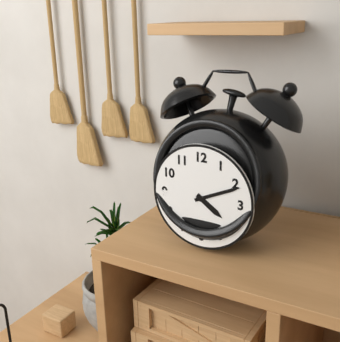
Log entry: **4:11**
